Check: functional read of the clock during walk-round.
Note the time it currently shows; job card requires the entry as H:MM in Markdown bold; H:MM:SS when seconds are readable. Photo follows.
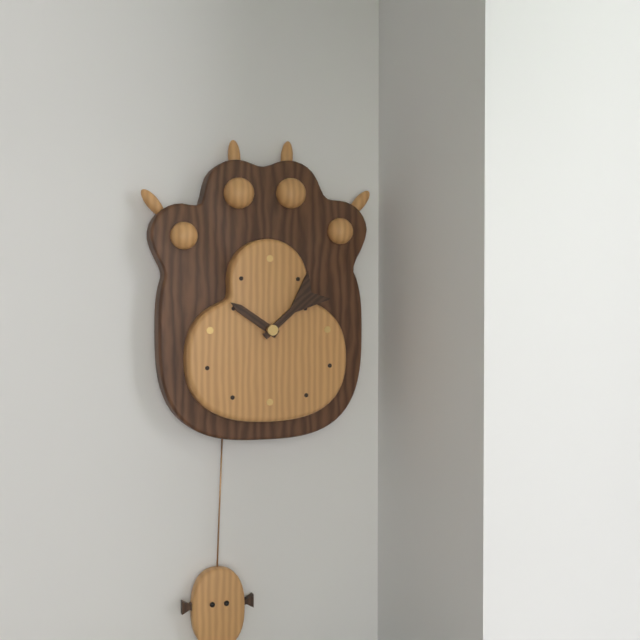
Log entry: **10:08**
